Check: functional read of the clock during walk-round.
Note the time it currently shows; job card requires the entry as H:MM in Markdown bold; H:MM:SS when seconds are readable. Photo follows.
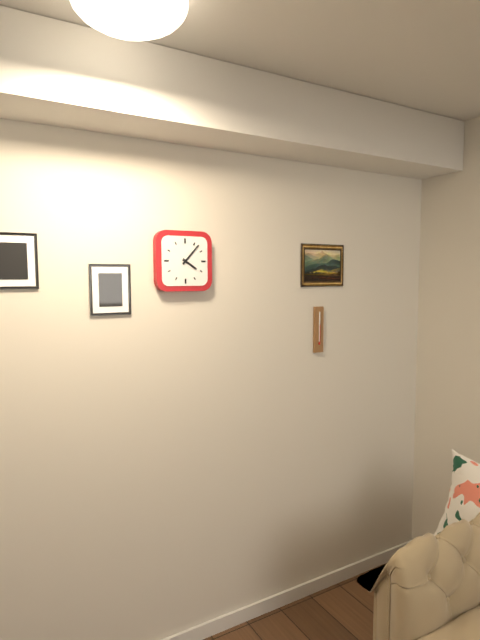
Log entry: **4:07**
